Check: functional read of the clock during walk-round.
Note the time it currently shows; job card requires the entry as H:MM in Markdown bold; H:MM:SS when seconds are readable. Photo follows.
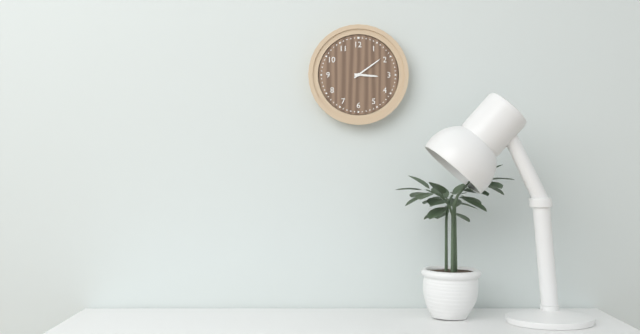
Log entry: **3:09**
